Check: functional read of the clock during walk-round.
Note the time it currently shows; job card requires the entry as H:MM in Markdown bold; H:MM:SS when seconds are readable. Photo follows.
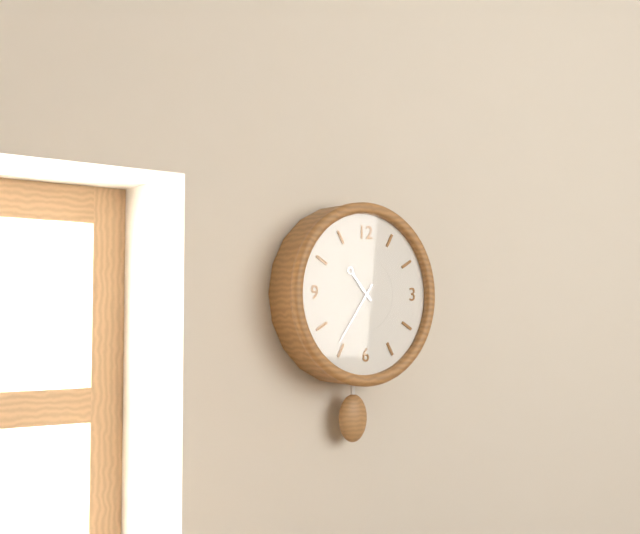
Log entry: **10:36**
